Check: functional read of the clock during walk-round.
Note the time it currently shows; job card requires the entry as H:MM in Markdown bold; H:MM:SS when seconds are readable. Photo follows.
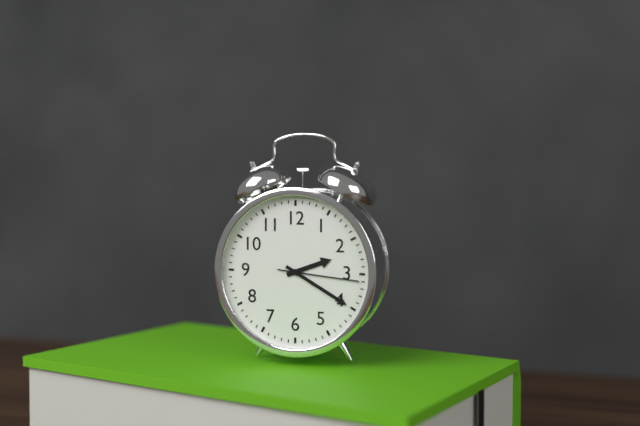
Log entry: **2:20:16**
